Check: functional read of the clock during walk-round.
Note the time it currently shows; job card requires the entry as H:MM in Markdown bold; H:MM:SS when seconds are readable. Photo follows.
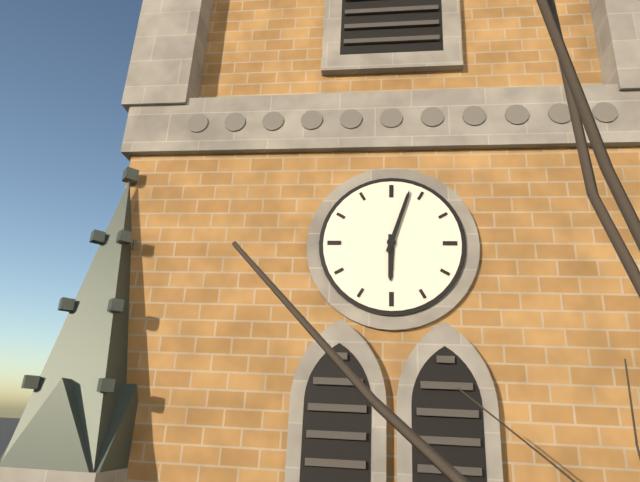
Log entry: **6:03**
